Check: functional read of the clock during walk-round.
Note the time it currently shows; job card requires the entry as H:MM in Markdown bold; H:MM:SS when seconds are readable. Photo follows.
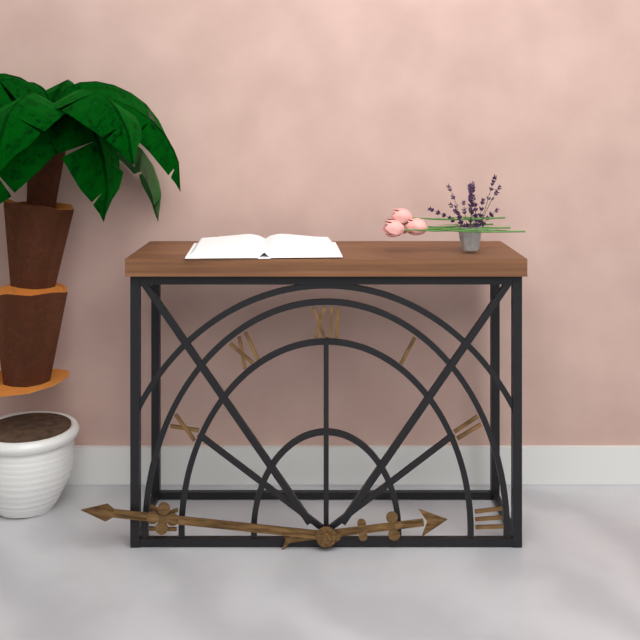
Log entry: **2:46**
